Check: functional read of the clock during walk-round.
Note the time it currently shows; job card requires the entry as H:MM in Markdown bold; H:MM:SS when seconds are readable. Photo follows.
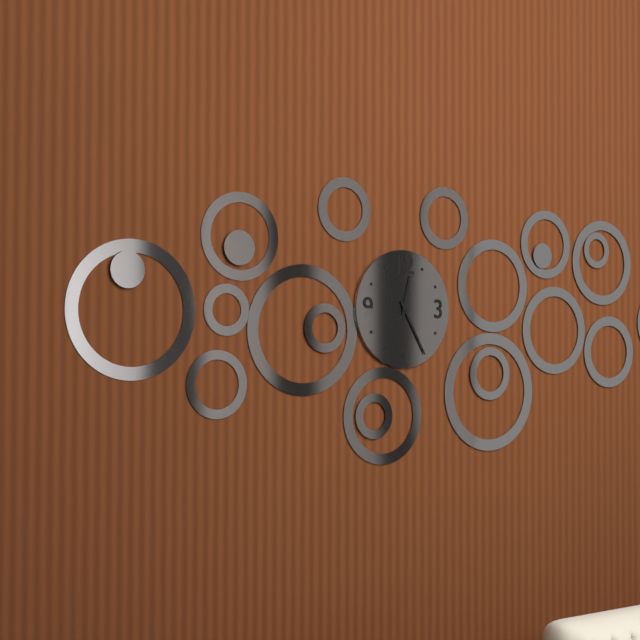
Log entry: **12:25**
